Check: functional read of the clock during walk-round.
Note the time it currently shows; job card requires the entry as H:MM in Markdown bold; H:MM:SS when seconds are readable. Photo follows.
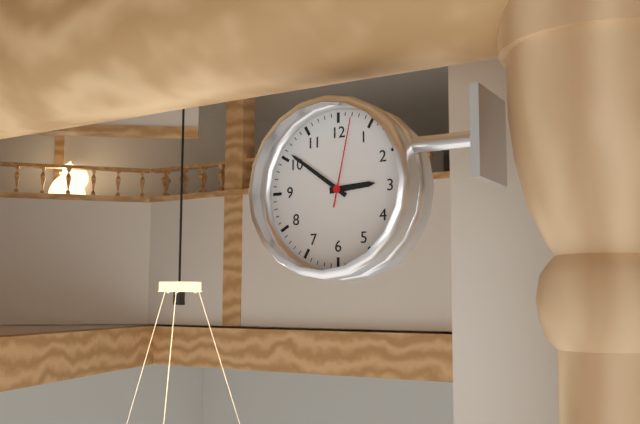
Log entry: **2:51:02**
